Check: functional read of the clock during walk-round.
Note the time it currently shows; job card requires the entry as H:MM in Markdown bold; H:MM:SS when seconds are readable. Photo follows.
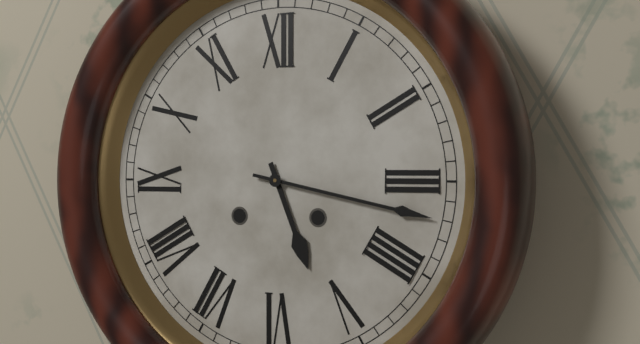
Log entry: **5:17**
